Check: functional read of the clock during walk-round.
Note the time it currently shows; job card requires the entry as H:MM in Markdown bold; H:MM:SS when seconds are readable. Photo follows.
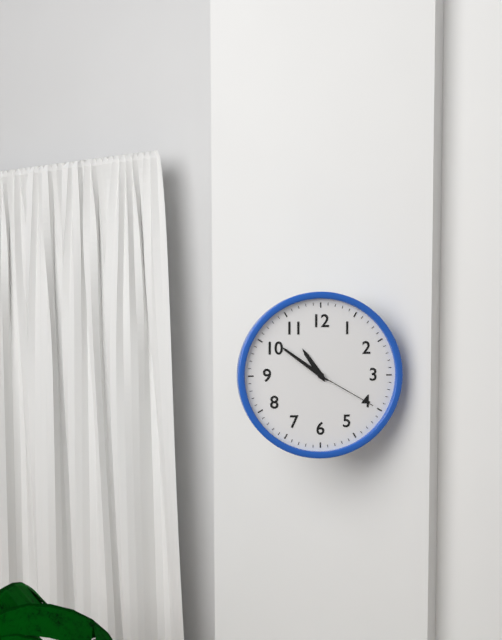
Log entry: **10:51:20**
